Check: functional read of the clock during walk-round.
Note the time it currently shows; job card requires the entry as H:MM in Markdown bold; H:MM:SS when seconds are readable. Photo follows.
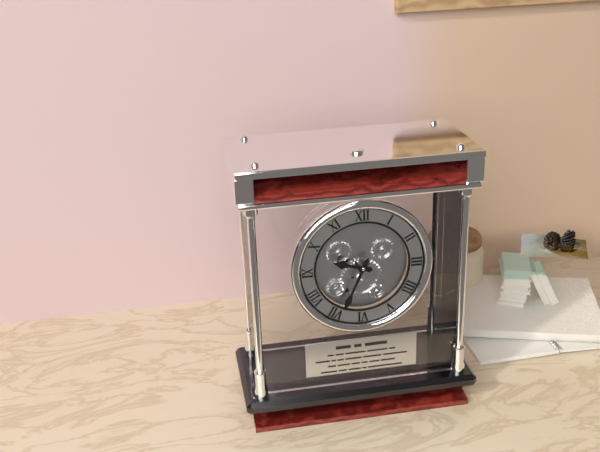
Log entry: **9:34**
